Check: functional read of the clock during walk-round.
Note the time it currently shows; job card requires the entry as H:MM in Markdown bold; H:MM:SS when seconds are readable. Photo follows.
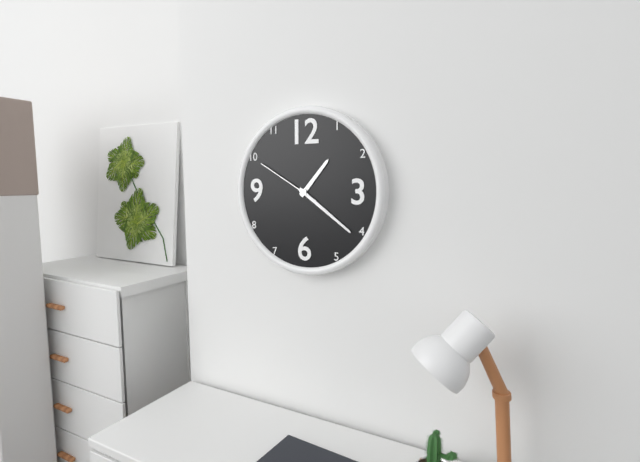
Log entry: **1:21:50**
